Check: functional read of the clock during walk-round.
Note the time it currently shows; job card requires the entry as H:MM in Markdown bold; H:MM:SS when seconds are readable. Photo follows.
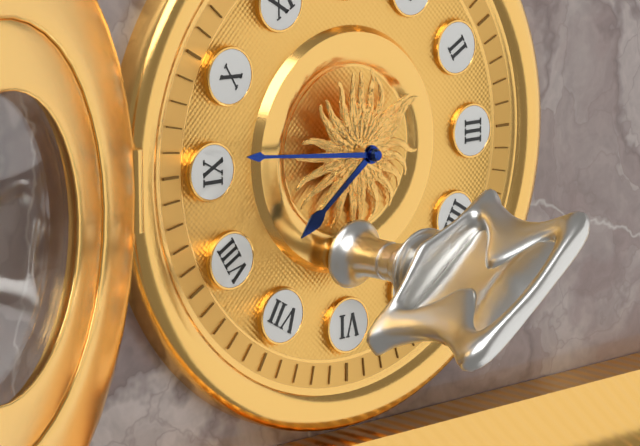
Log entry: **7:46**
